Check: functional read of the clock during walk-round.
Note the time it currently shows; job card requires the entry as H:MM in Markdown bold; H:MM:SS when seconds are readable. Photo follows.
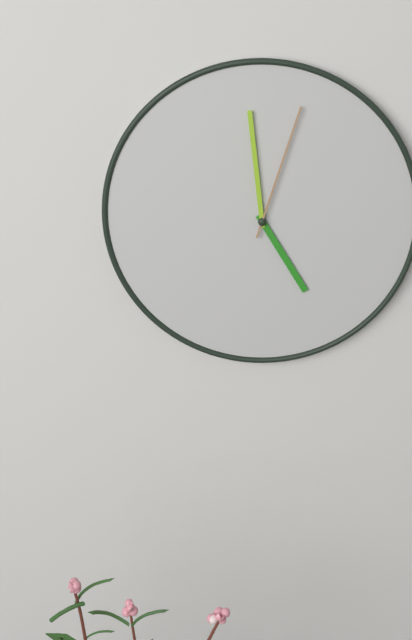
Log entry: **4:59:03**
